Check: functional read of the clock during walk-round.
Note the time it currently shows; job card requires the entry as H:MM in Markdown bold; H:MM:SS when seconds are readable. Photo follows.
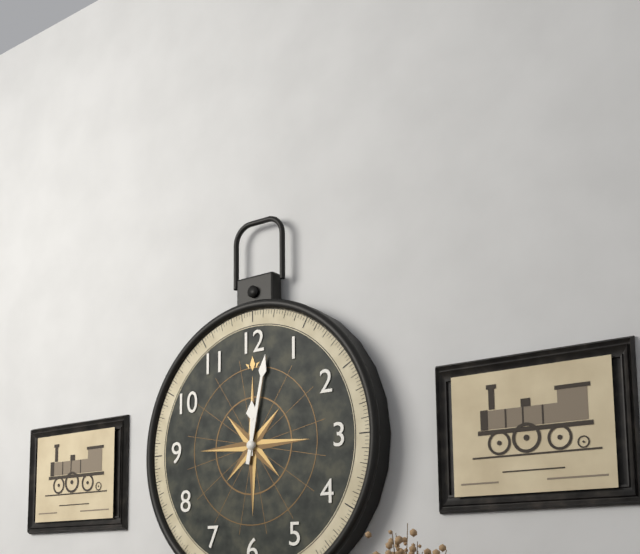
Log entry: **12:02**
